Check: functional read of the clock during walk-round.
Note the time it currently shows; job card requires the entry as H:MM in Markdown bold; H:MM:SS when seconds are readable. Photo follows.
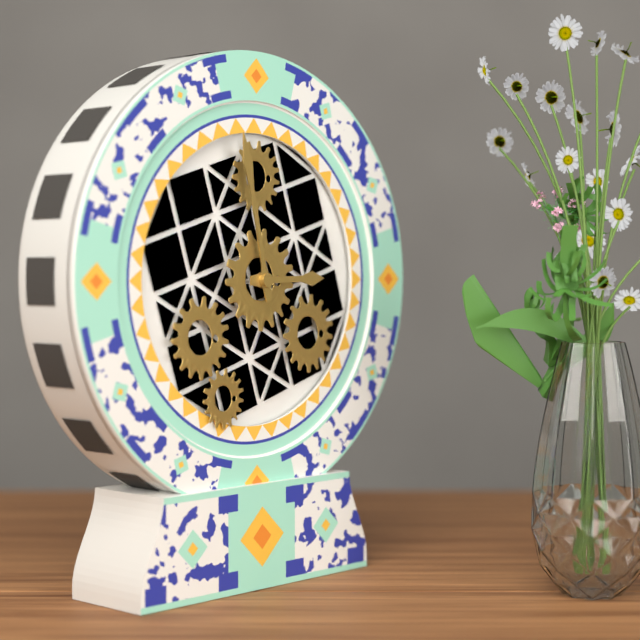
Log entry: **2:58**
